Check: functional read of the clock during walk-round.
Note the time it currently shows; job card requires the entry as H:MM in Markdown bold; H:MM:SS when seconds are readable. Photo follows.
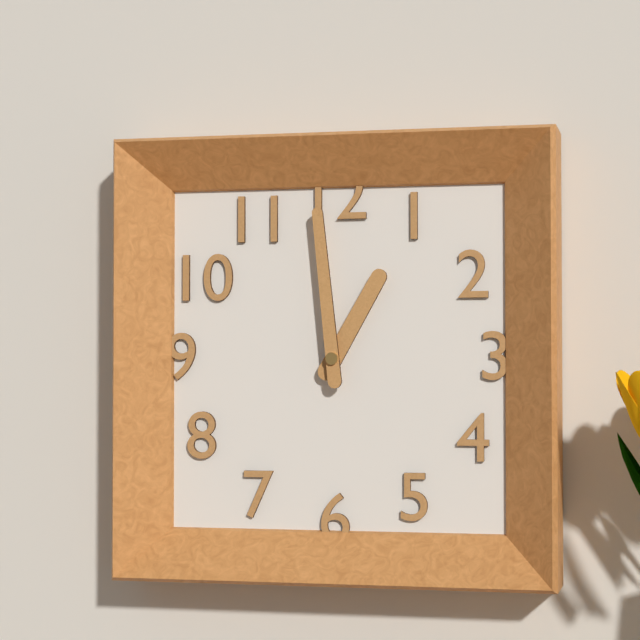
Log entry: **12:59**
